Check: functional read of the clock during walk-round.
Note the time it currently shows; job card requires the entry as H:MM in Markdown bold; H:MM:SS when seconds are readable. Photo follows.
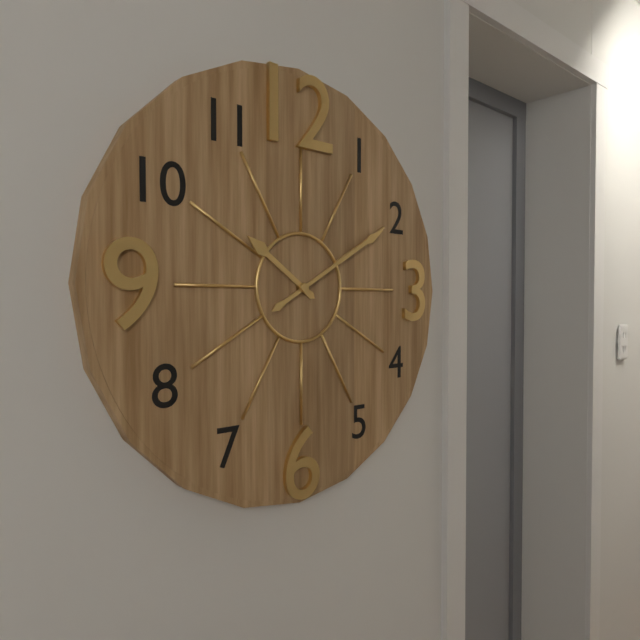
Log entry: **10:10**
